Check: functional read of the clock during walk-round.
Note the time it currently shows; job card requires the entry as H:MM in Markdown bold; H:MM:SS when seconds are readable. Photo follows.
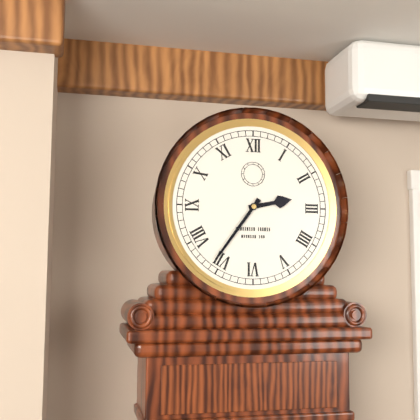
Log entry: **2:36**
